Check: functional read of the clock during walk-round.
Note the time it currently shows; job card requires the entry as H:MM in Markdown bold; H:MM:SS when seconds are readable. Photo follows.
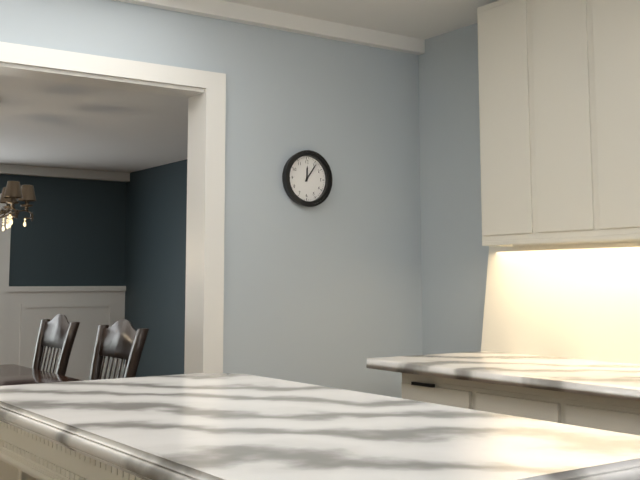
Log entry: **12:06**
